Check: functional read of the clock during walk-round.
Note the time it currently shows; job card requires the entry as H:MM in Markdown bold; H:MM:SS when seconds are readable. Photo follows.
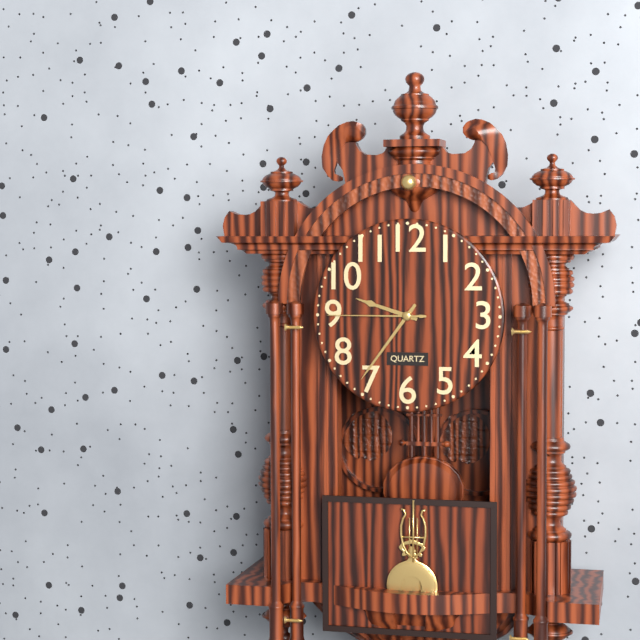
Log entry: **9:36:45**
